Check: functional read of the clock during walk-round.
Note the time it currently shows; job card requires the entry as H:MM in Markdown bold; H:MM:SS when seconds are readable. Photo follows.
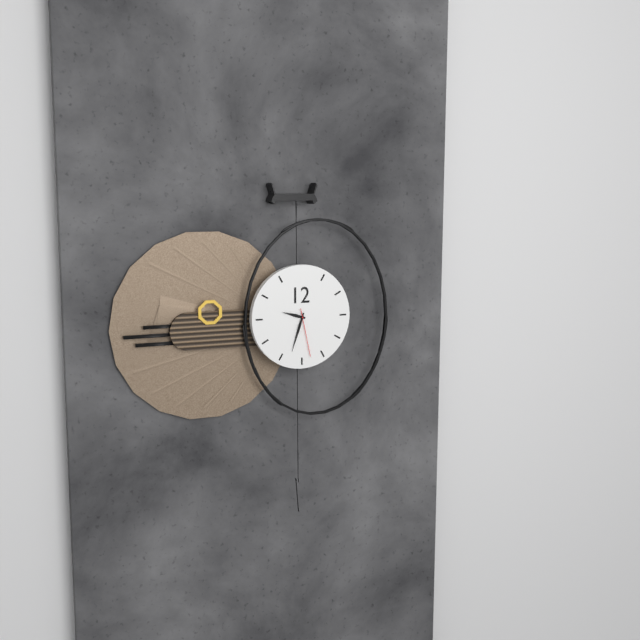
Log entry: **9:33:28**
